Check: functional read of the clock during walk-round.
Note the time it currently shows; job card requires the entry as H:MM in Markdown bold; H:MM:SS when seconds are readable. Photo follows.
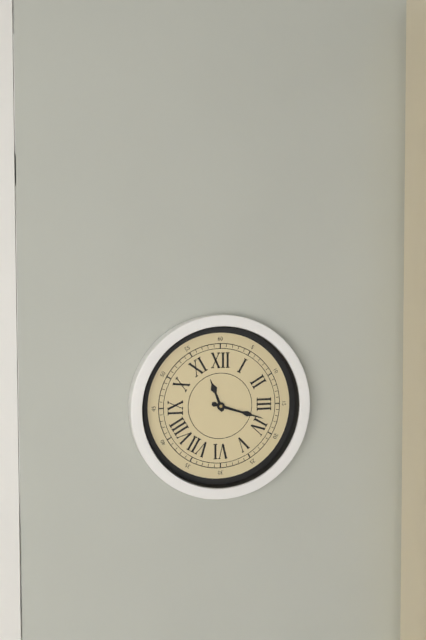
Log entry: **11:18**
